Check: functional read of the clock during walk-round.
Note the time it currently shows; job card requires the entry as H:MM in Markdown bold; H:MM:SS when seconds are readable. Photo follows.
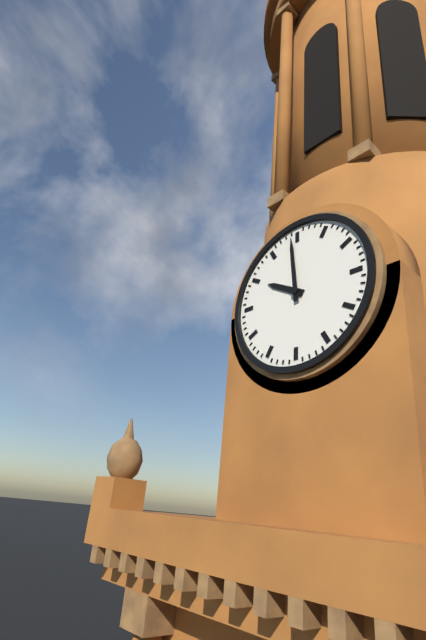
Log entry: **9:59**
